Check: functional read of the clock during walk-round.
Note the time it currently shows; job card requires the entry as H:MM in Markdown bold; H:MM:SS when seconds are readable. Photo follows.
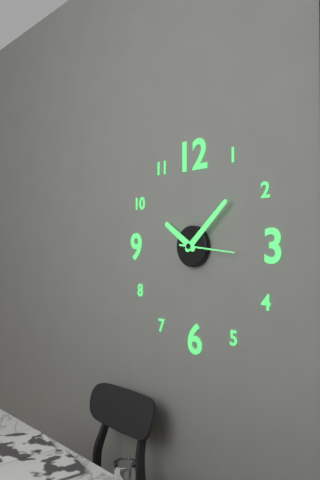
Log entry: **10:08:16**
